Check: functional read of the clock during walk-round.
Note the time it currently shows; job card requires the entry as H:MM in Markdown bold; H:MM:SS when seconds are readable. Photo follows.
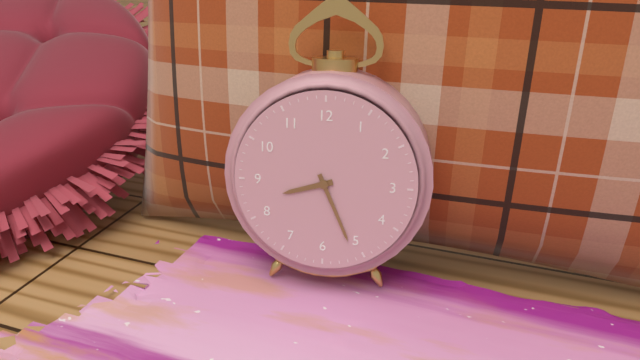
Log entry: **8:26**
